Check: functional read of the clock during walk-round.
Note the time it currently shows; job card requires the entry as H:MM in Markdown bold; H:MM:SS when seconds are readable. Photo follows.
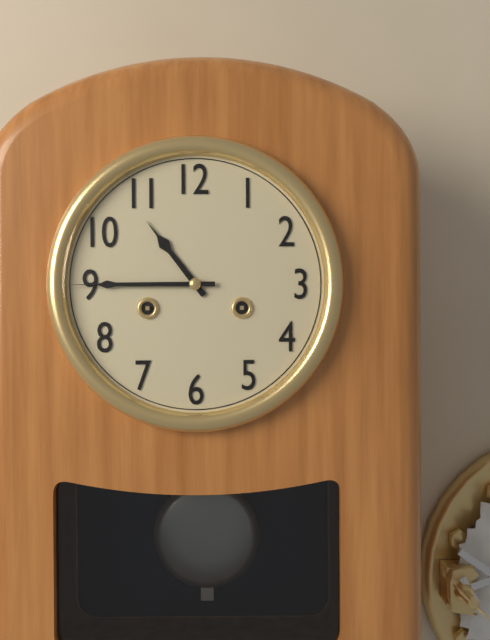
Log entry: **10:45**
